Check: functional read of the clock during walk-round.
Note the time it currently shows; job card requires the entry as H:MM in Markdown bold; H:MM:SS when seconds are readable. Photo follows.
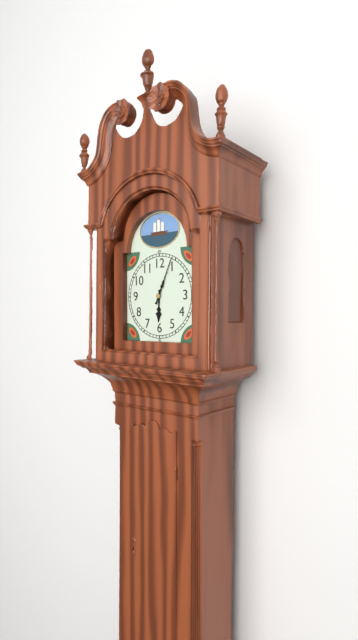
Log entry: **6:04**
